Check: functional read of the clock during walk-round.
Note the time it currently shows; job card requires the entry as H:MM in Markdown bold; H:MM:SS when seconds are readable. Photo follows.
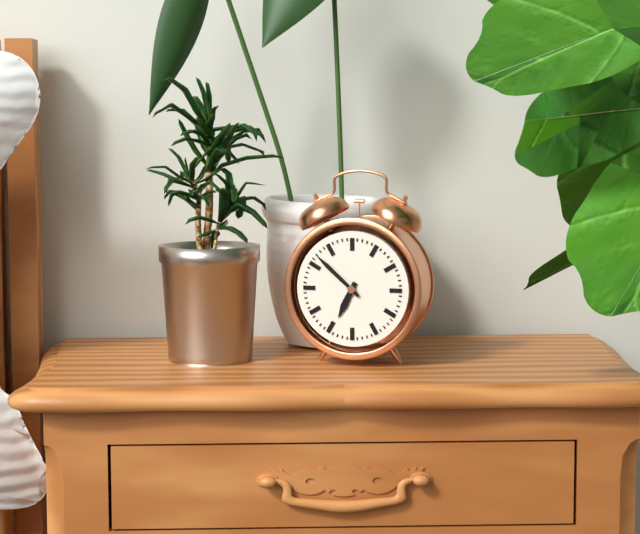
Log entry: **6:52**
